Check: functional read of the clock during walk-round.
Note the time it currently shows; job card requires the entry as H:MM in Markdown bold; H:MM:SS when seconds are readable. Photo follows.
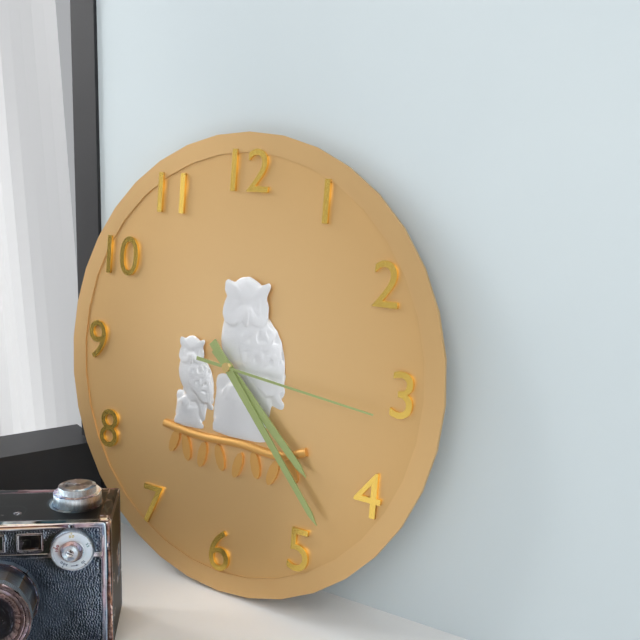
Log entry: **4:23:16**
